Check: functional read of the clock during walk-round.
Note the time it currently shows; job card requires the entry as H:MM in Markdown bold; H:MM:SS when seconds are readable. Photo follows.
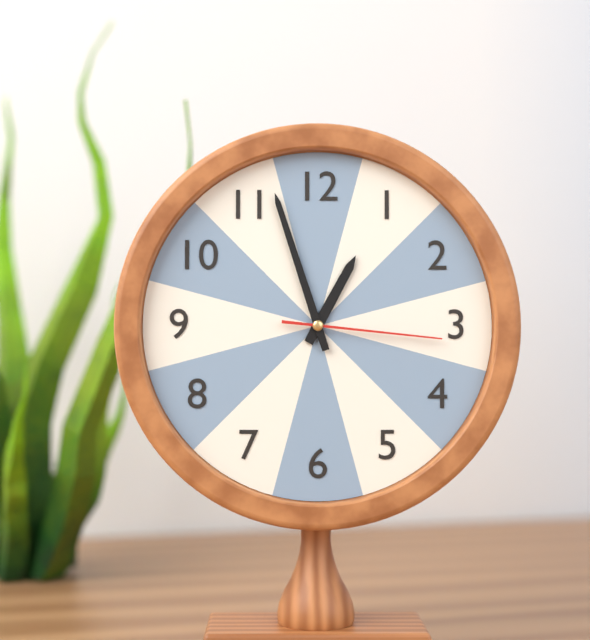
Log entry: **12:57:16**
